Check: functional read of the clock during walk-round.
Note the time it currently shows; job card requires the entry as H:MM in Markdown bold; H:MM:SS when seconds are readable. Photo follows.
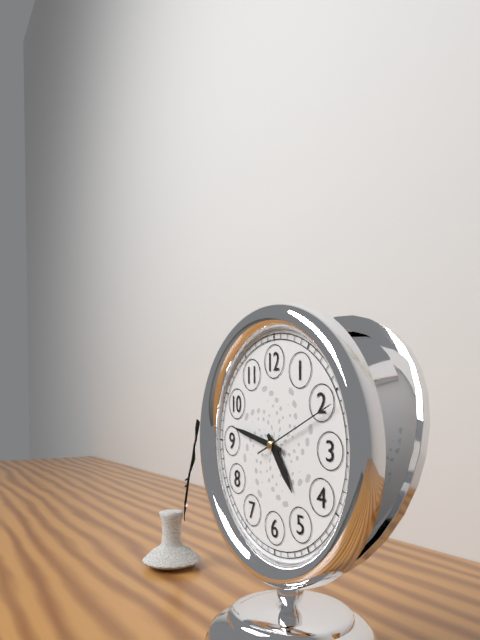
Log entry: **4:47:11**
